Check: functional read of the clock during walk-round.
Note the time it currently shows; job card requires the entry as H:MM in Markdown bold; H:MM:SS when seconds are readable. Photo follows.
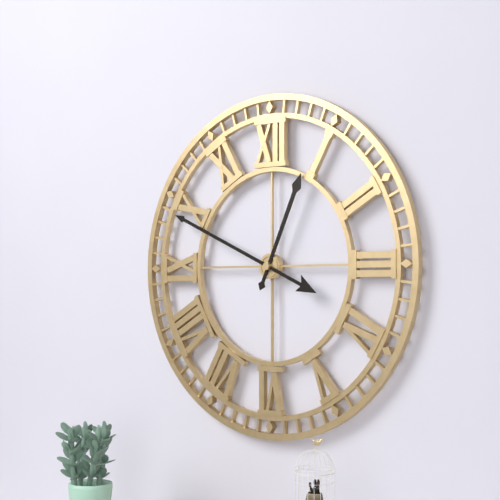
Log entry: **12:49**
